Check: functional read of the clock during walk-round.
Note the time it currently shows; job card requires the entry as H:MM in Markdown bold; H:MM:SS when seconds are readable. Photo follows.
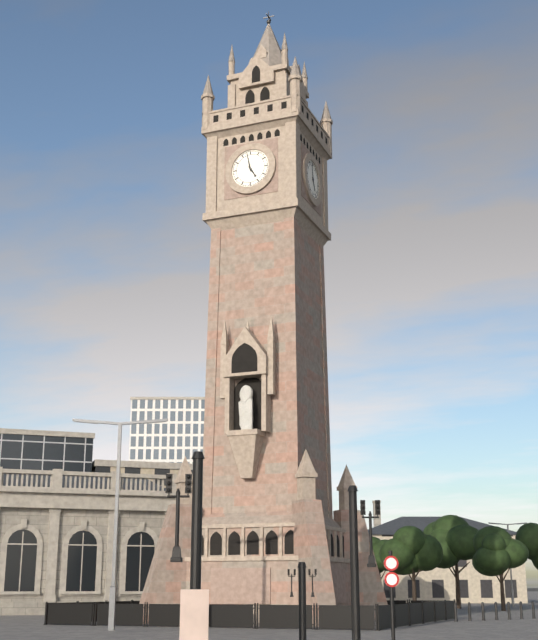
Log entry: **4:58**
